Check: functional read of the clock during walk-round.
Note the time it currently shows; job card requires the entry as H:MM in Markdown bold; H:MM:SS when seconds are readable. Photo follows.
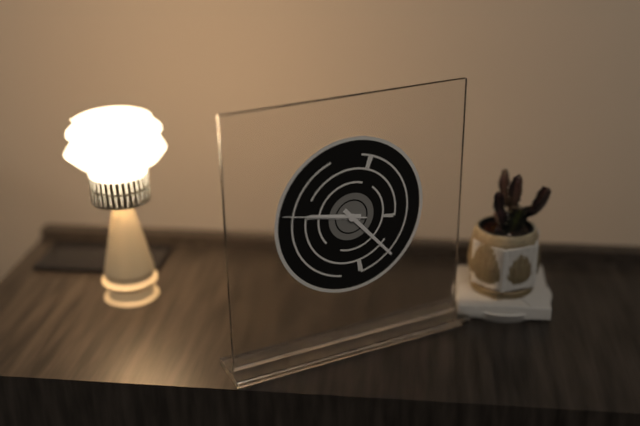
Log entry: **9:23:47**
